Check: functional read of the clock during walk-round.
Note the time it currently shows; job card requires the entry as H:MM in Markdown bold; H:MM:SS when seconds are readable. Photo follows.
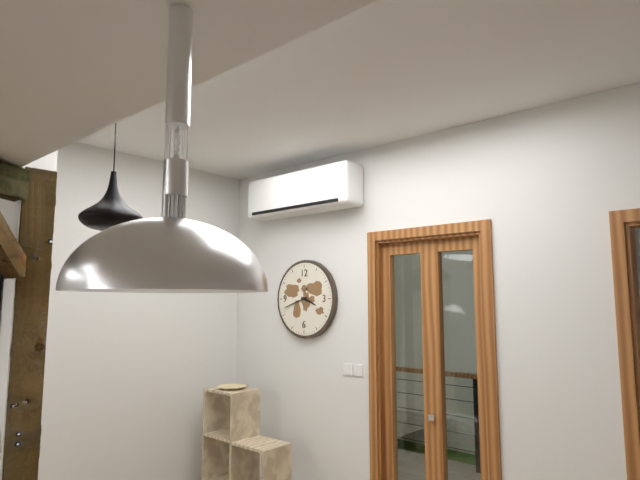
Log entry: **3:42**
